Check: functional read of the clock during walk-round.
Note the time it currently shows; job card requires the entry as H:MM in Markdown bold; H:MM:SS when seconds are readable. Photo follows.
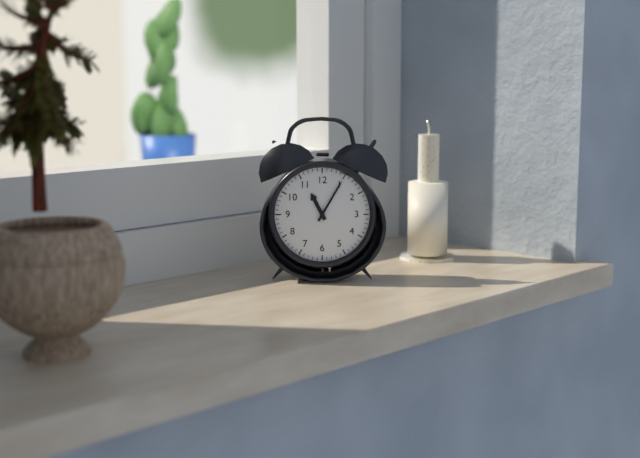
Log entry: **11:05**
